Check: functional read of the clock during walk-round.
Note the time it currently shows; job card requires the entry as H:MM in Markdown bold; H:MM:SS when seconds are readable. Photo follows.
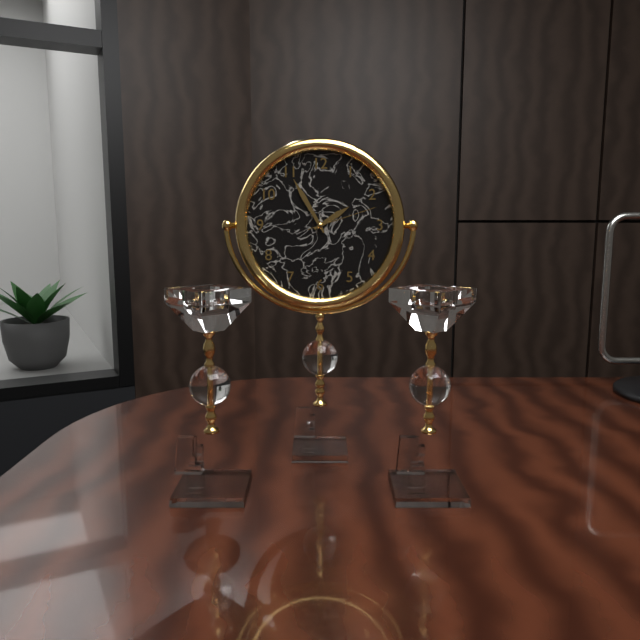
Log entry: **1:55:12**
